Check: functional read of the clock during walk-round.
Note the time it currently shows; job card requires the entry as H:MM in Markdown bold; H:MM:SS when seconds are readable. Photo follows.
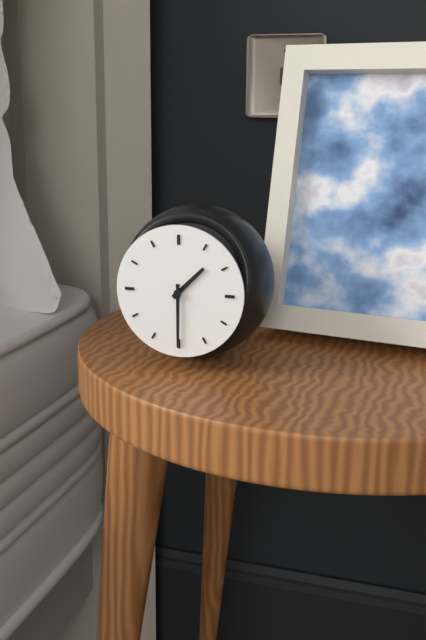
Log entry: **1:30**
